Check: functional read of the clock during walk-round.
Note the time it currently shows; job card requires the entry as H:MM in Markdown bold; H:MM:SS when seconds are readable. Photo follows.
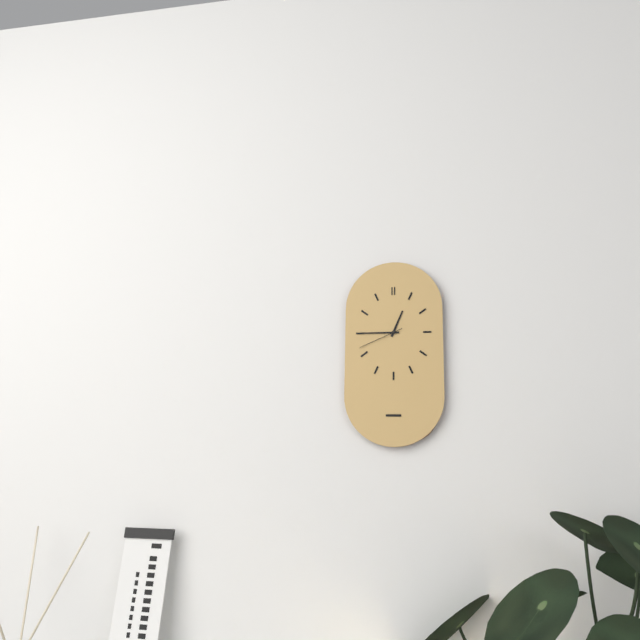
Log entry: **12:45**
